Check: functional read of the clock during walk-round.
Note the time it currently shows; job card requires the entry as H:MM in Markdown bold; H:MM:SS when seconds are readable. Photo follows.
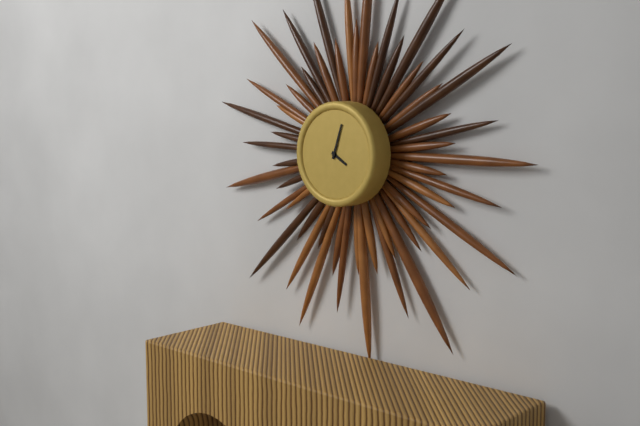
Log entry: **4:03**
